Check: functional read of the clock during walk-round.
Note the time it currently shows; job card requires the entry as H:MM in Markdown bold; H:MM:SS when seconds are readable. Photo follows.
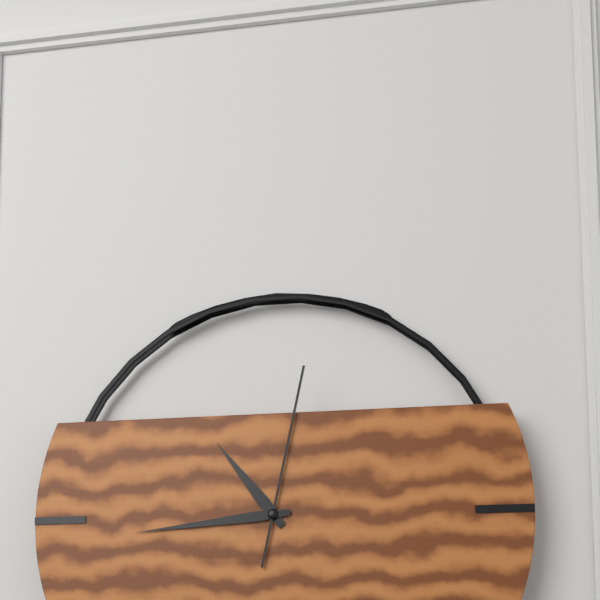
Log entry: **10:44:02**
